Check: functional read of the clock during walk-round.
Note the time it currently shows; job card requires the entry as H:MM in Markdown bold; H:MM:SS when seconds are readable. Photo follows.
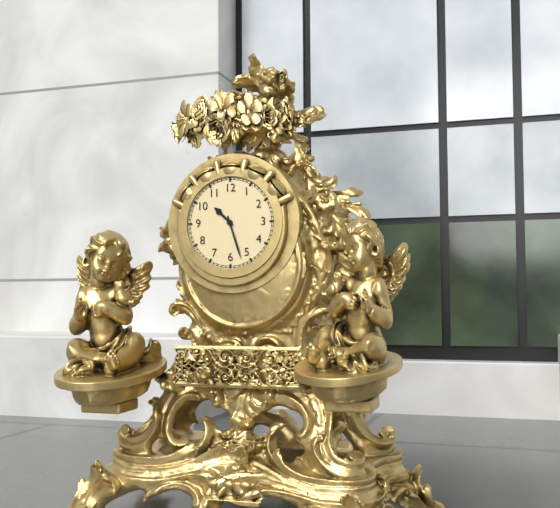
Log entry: **10:27**
